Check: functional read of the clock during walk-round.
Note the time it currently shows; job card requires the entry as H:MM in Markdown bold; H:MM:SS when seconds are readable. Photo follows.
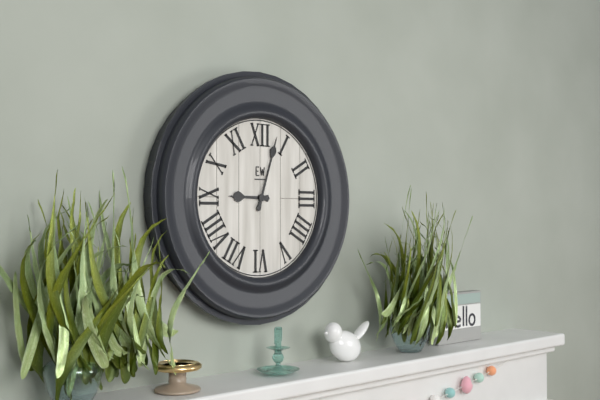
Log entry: **9:03**
